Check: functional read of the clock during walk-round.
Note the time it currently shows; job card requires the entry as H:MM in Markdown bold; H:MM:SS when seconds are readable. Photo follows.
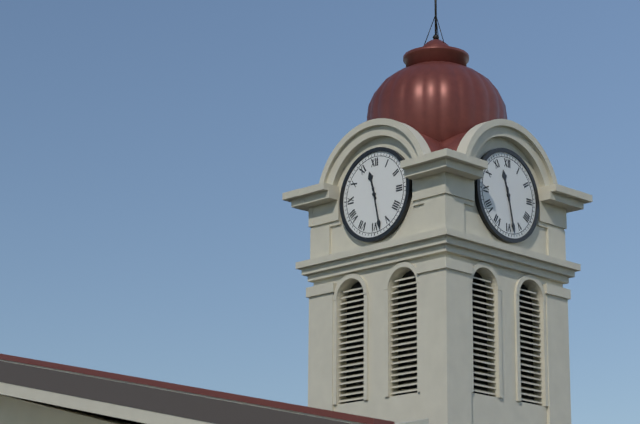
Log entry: **11:28**
